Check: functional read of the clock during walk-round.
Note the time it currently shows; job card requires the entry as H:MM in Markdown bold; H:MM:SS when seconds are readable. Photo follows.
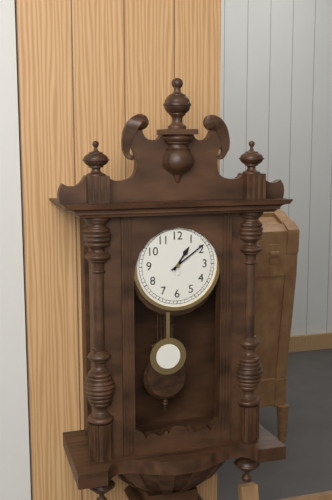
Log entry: **1:09**
